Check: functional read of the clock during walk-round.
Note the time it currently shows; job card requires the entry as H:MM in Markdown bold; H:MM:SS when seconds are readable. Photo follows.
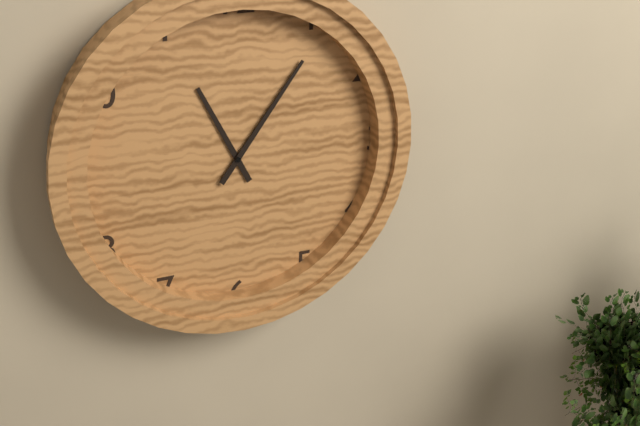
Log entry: **11:06**
